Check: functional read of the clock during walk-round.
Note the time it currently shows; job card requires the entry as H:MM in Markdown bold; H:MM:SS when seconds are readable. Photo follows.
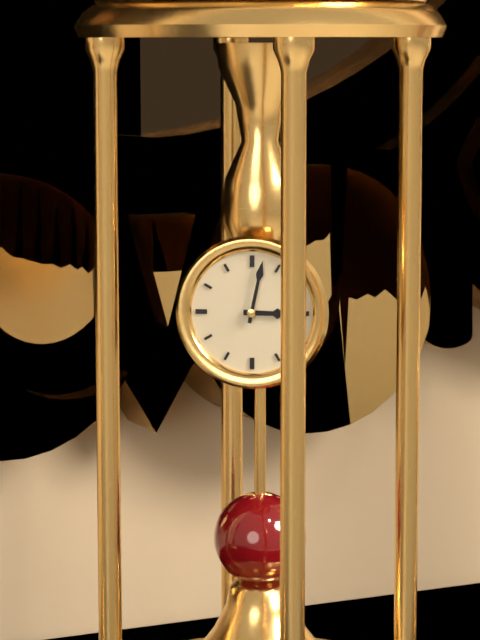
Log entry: **3:02**
